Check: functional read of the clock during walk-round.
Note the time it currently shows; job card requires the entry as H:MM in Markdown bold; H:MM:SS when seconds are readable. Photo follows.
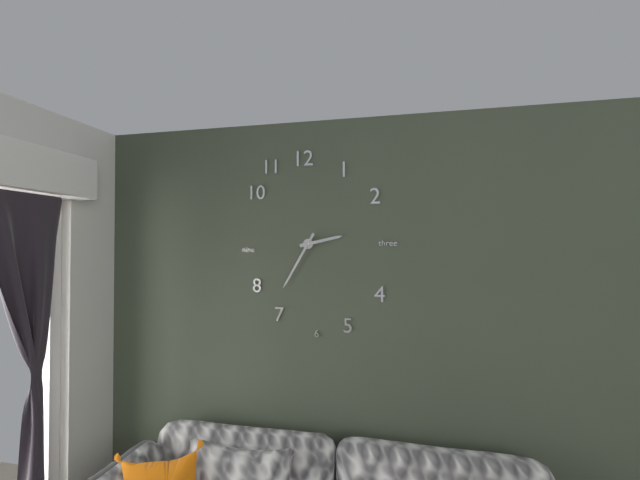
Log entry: **2:35**
